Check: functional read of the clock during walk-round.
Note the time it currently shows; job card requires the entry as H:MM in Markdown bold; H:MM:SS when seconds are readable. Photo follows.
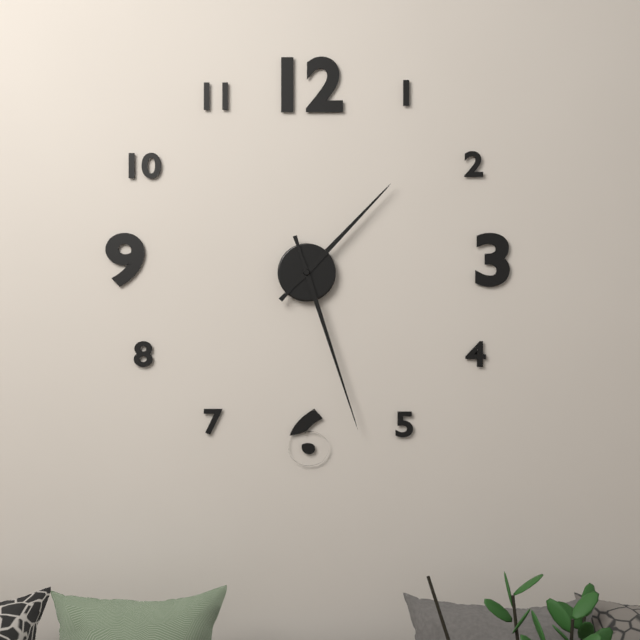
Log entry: **1:27**
